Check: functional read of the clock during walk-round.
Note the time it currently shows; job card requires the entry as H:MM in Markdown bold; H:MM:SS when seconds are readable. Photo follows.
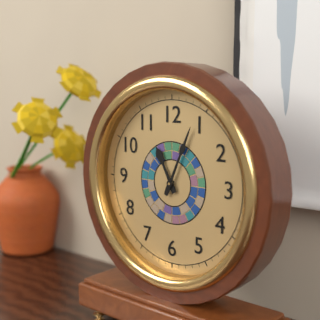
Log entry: **11:04**
